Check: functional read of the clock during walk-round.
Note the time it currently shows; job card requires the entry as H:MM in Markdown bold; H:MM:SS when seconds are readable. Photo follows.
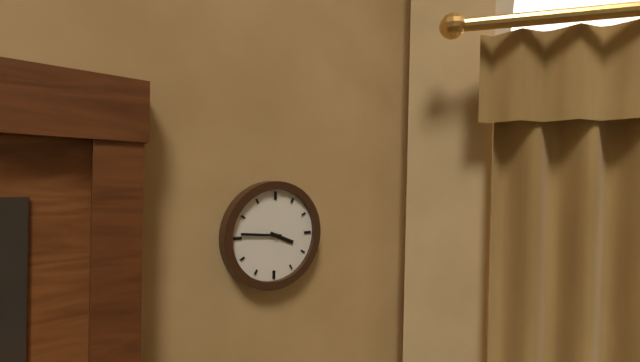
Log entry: **3:46**
